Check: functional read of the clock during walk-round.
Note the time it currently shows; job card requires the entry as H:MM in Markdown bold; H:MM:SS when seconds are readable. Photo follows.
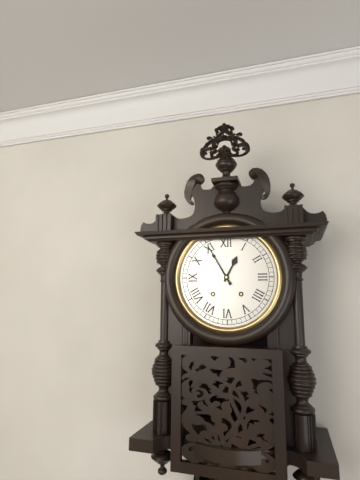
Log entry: **12:55**
